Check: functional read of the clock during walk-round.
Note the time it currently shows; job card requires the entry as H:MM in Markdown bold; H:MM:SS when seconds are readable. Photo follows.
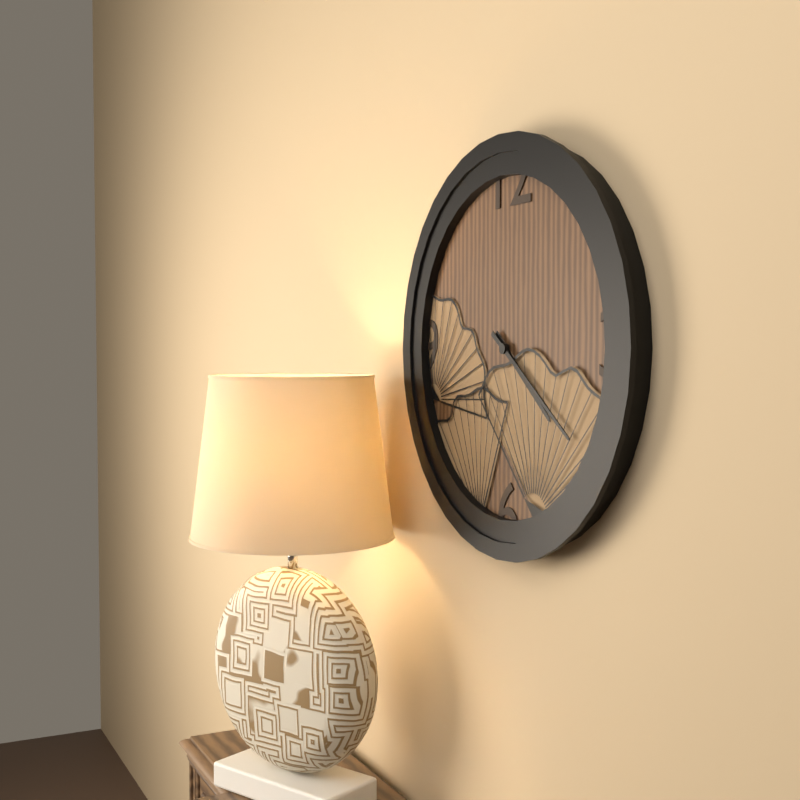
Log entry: **4:21**
